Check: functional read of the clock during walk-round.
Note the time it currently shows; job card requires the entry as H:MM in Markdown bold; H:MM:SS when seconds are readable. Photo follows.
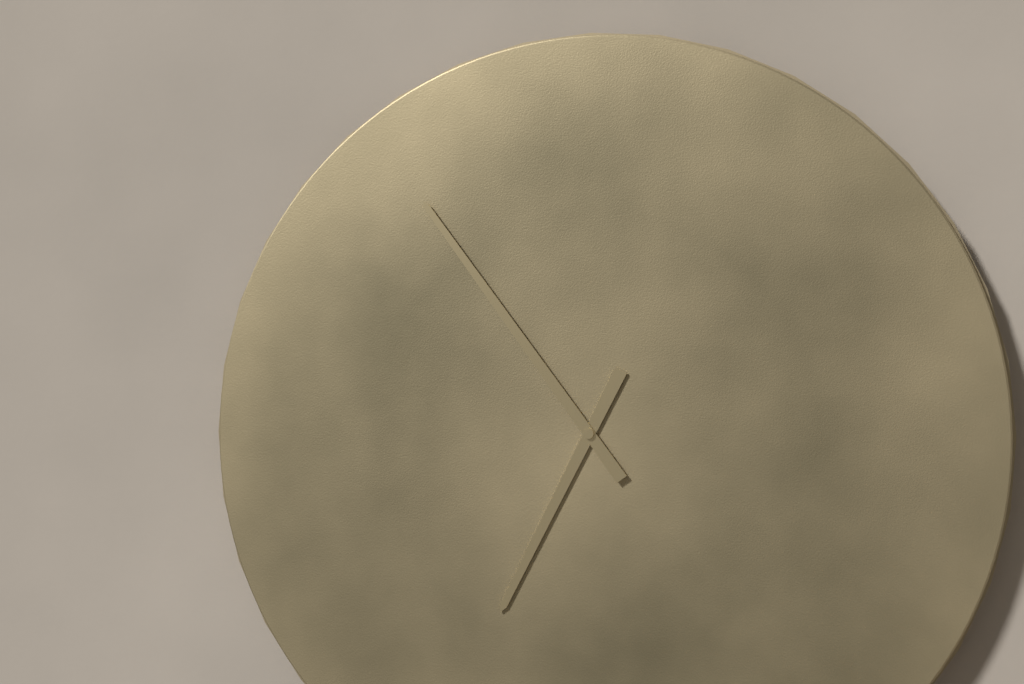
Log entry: **6:54**
